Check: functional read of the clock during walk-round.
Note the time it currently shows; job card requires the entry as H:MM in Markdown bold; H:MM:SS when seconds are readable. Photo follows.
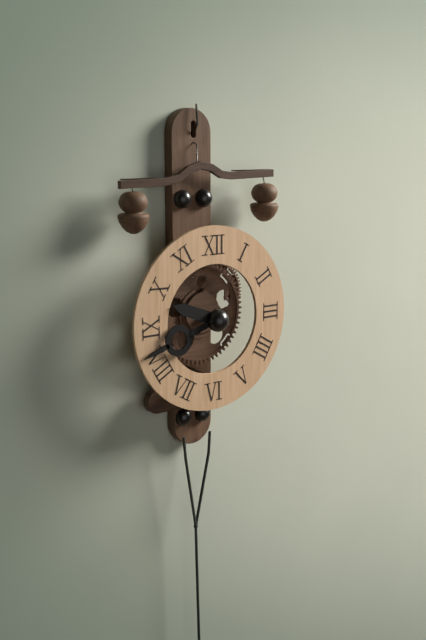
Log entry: **9:42**
